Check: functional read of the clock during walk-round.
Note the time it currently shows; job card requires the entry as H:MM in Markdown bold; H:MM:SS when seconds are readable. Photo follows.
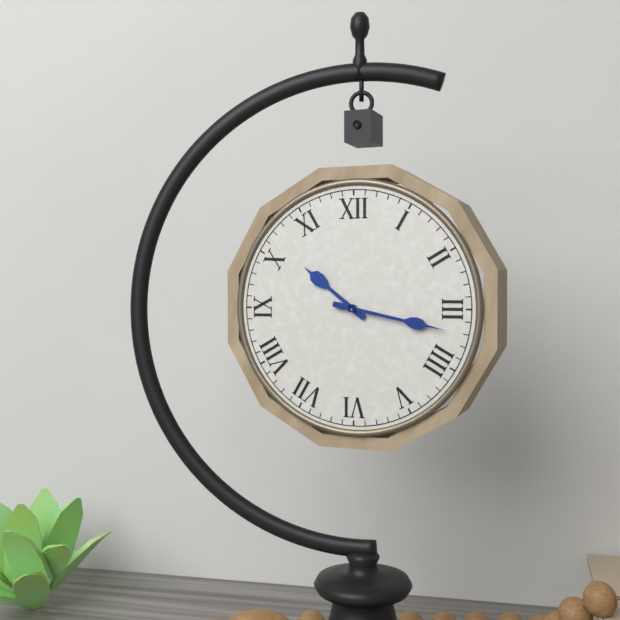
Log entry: **10:17**
